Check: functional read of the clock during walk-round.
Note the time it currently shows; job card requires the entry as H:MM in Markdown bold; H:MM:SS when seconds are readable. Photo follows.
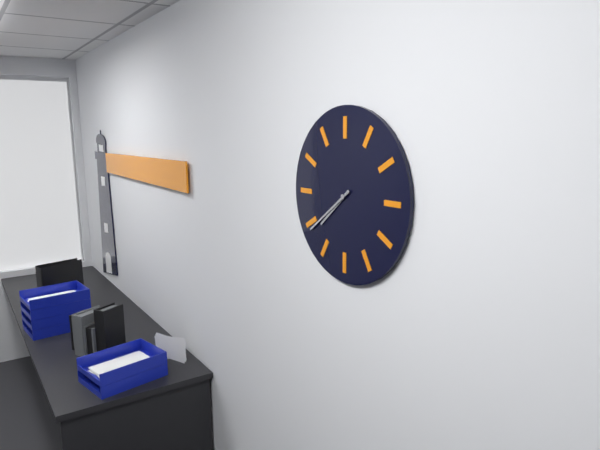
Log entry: **7:39**
